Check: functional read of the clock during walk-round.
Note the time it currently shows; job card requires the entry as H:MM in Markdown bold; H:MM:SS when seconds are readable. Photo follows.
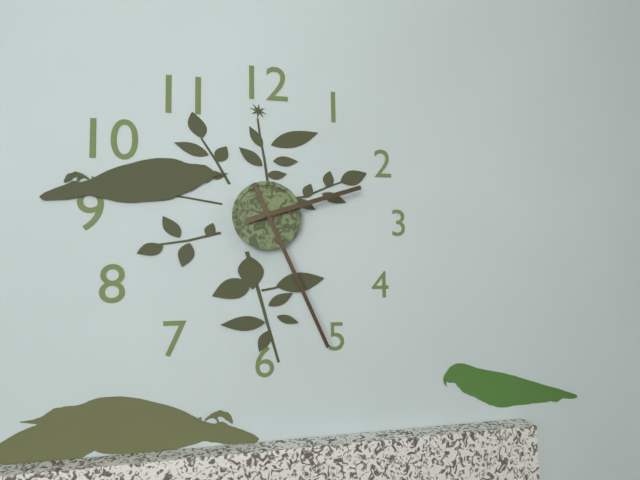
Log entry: **2:26**
